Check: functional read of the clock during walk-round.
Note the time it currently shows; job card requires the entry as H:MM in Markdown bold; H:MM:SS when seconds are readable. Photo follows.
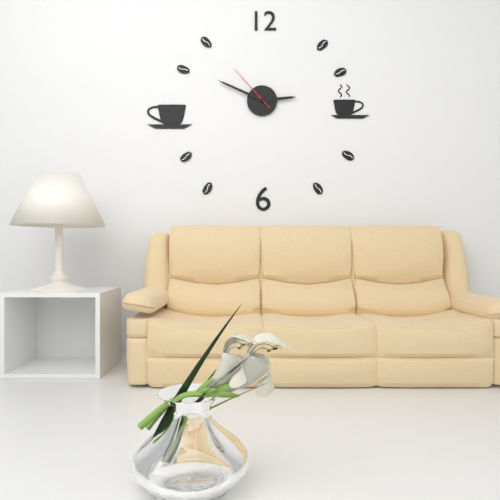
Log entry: **2:49:53**
